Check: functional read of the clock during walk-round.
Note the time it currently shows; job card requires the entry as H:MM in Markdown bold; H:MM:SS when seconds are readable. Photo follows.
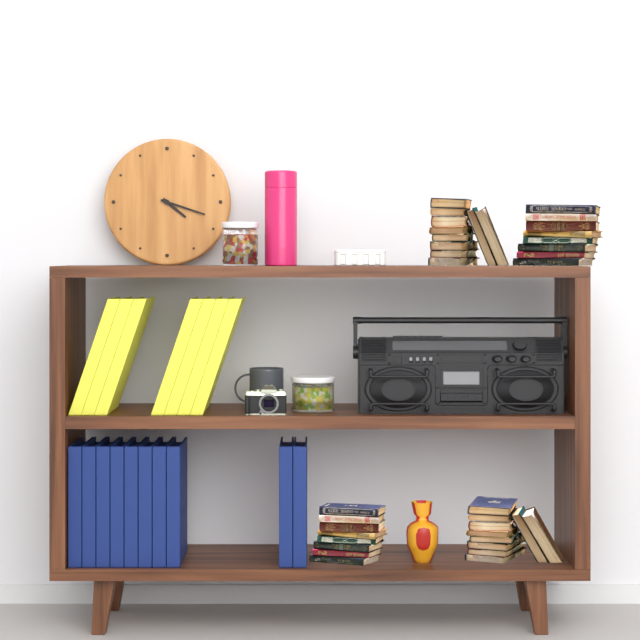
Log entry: **4:18**
